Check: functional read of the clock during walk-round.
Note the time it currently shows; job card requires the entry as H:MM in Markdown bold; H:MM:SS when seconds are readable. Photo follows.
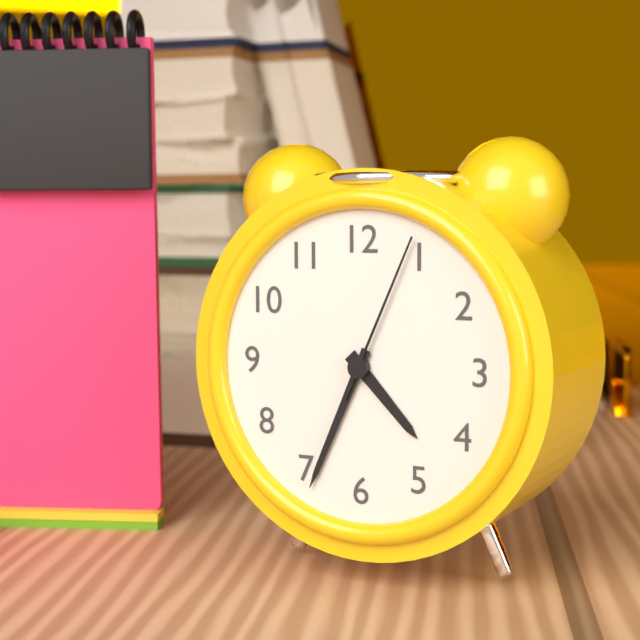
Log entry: **4:34:04**
